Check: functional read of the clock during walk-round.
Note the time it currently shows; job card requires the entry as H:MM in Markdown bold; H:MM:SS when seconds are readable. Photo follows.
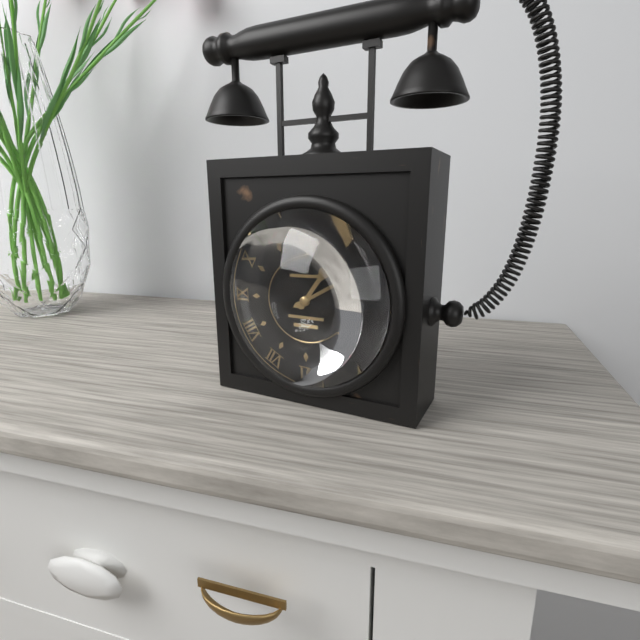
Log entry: **1:10**
